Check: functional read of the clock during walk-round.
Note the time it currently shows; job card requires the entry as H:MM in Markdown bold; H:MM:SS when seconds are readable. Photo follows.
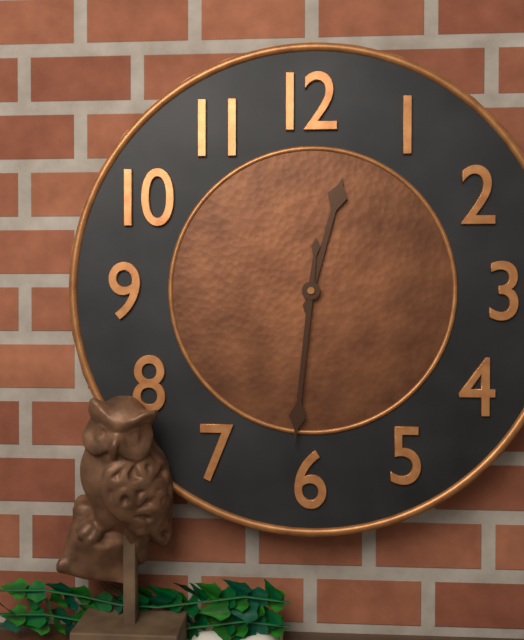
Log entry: **12:31**
